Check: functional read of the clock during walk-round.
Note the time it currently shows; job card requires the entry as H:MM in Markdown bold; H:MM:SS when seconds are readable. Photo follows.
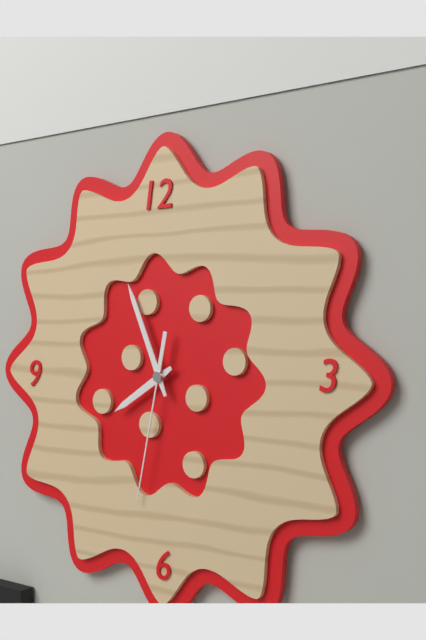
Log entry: **7:56:32**
